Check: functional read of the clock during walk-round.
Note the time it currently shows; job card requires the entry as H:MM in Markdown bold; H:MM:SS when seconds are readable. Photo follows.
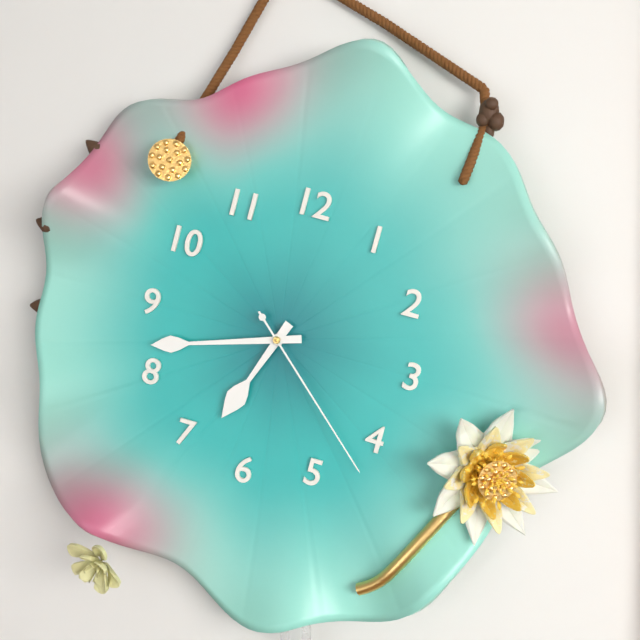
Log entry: **6:42:22**
